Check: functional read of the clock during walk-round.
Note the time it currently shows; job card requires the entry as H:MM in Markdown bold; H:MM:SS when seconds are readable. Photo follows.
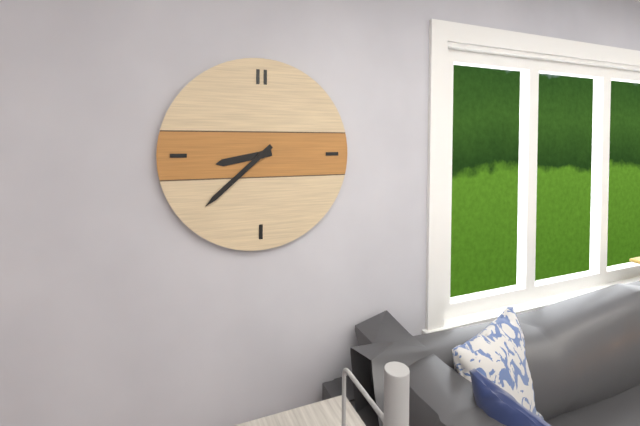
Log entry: **8:38**
